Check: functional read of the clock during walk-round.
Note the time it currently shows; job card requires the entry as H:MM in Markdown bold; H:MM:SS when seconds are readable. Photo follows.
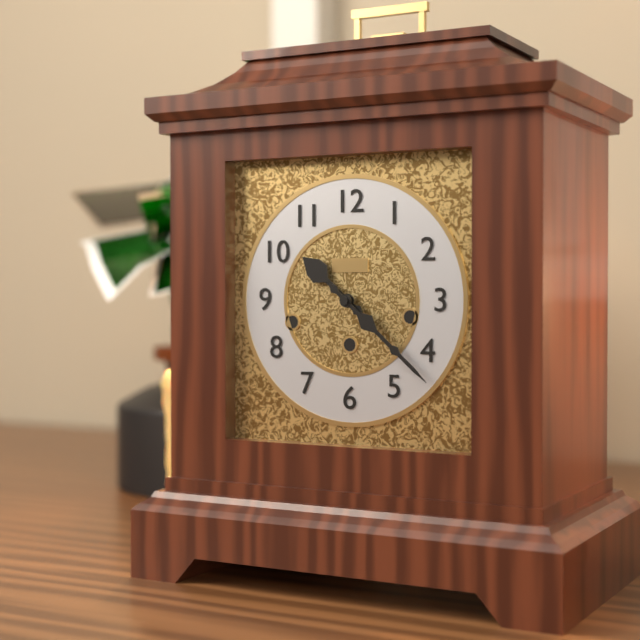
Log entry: **10:22**
